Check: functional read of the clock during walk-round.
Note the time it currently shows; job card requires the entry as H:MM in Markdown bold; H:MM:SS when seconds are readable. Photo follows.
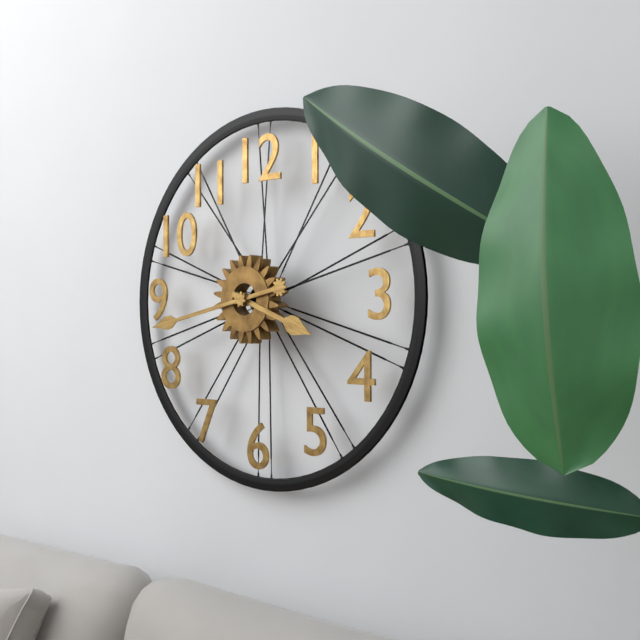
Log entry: **3:43**
